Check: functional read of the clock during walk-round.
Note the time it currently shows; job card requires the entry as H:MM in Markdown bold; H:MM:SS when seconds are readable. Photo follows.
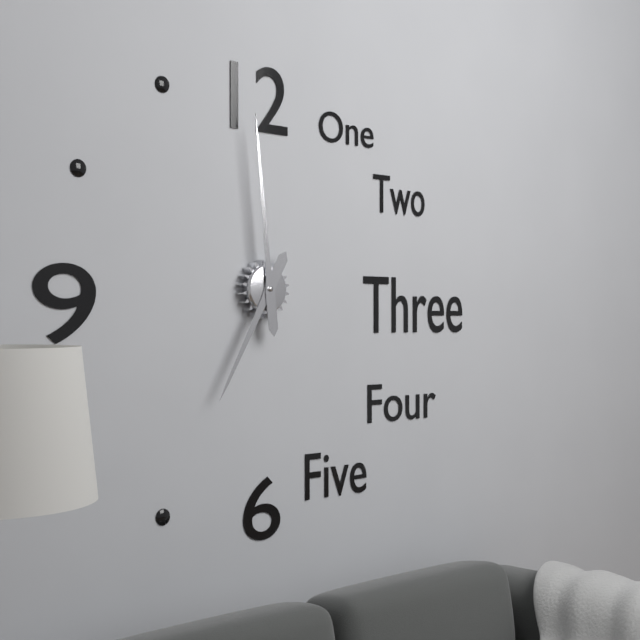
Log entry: **6:59**
